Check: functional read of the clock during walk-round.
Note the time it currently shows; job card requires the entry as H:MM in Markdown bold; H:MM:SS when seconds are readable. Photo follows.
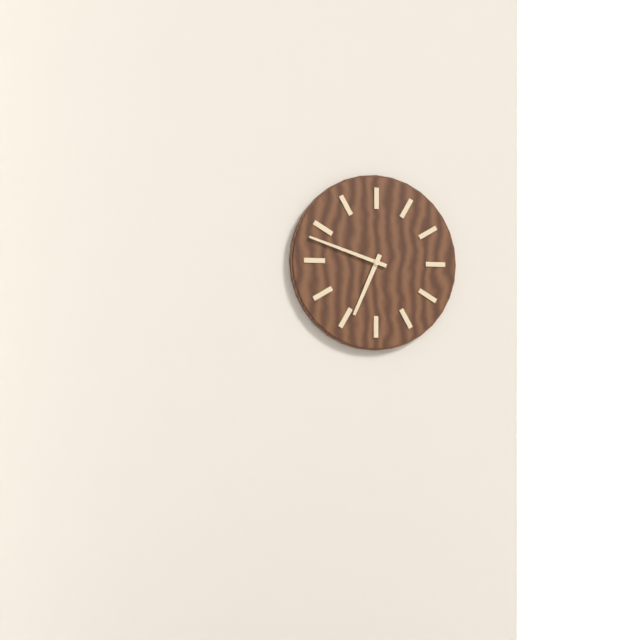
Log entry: **6:48**
